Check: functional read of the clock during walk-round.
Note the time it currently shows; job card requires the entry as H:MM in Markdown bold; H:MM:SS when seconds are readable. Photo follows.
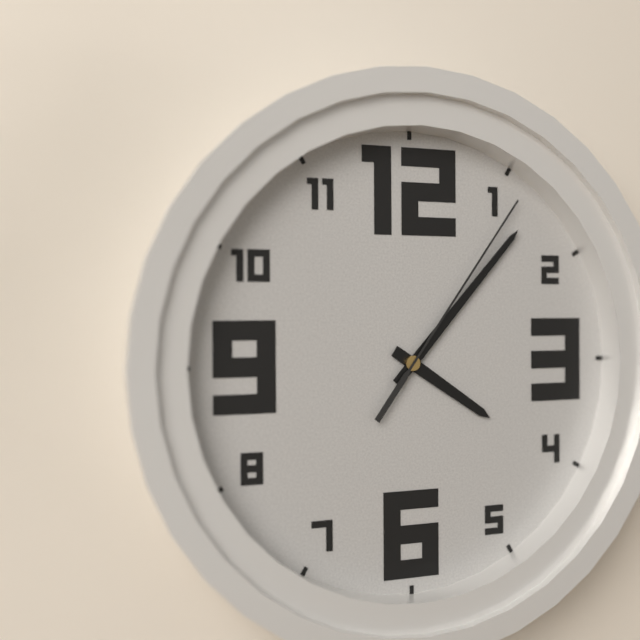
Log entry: **4:07:06**
